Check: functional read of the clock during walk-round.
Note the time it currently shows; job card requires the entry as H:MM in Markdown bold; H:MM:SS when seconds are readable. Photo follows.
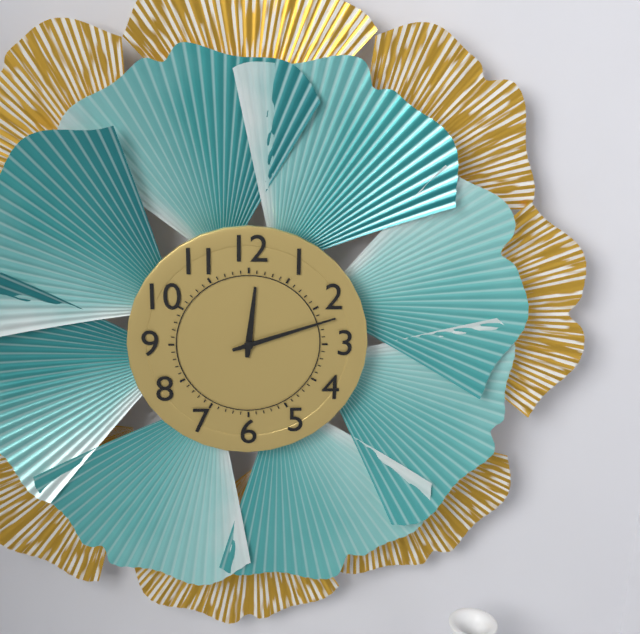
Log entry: **12:12**
